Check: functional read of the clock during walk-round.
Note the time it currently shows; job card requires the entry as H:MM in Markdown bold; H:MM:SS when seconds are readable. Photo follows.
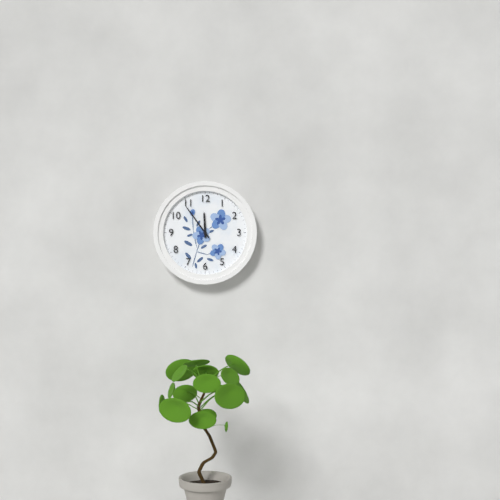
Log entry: **11:54**
